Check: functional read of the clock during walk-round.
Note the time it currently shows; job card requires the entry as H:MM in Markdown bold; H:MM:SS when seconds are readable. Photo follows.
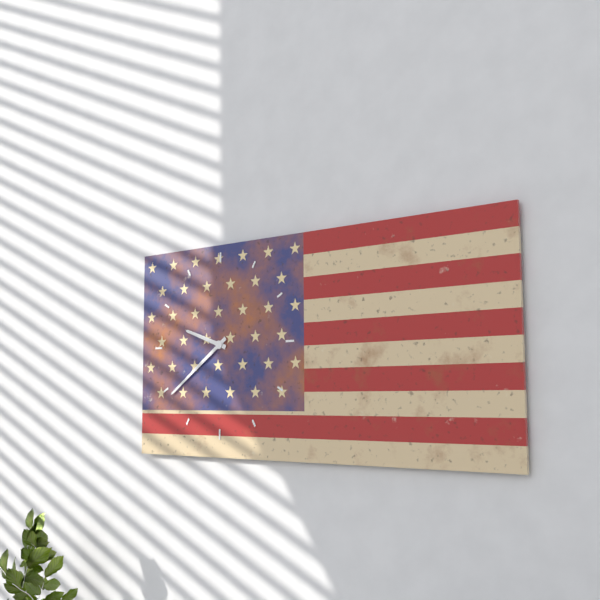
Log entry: **9:39**
